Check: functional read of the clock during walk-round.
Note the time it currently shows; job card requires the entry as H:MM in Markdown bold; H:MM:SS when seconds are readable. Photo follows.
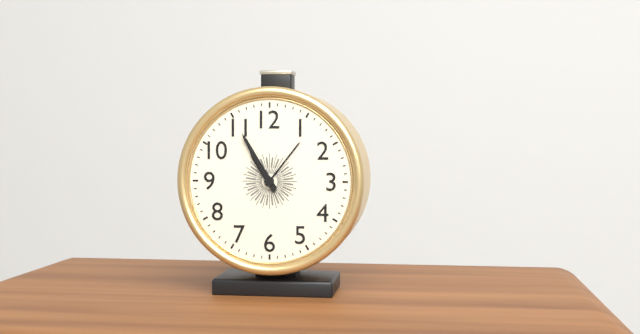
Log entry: **10:55**
